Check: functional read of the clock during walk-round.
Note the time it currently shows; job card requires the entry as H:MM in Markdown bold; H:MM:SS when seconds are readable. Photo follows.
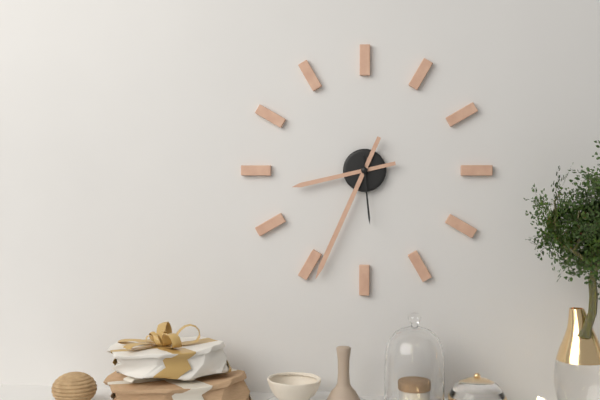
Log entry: **8:34:29**
